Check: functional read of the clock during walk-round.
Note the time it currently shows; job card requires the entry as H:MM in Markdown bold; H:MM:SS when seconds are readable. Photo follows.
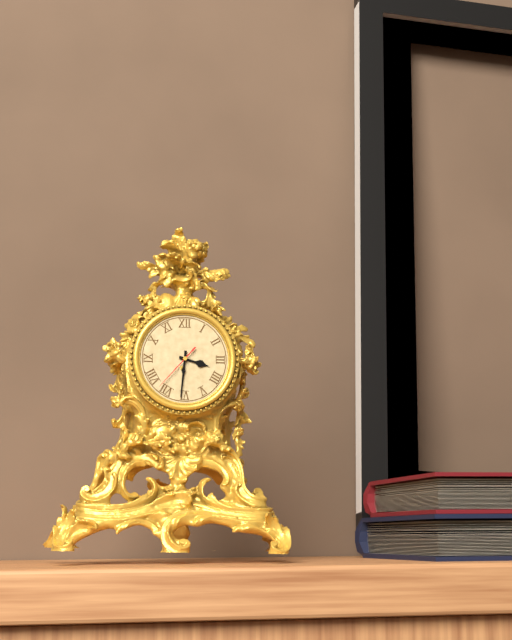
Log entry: **3:31**
